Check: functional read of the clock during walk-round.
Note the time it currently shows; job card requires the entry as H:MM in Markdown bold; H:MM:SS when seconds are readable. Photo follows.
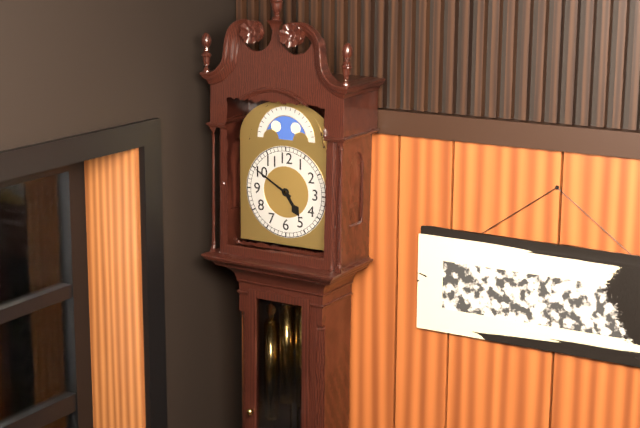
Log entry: **4:50**
